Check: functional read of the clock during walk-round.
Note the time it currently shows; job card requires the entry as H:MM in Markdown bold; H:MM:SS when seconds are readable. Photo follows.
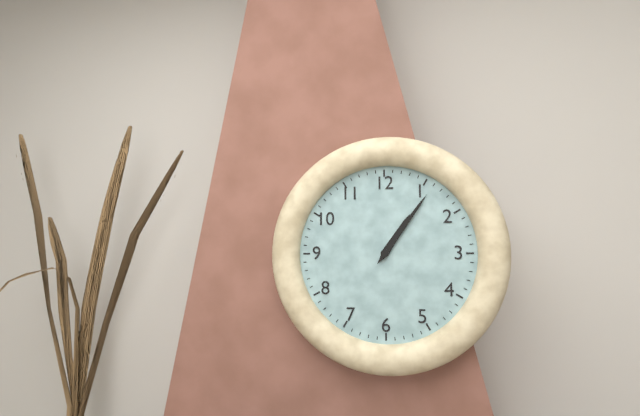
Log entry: **1:06**
